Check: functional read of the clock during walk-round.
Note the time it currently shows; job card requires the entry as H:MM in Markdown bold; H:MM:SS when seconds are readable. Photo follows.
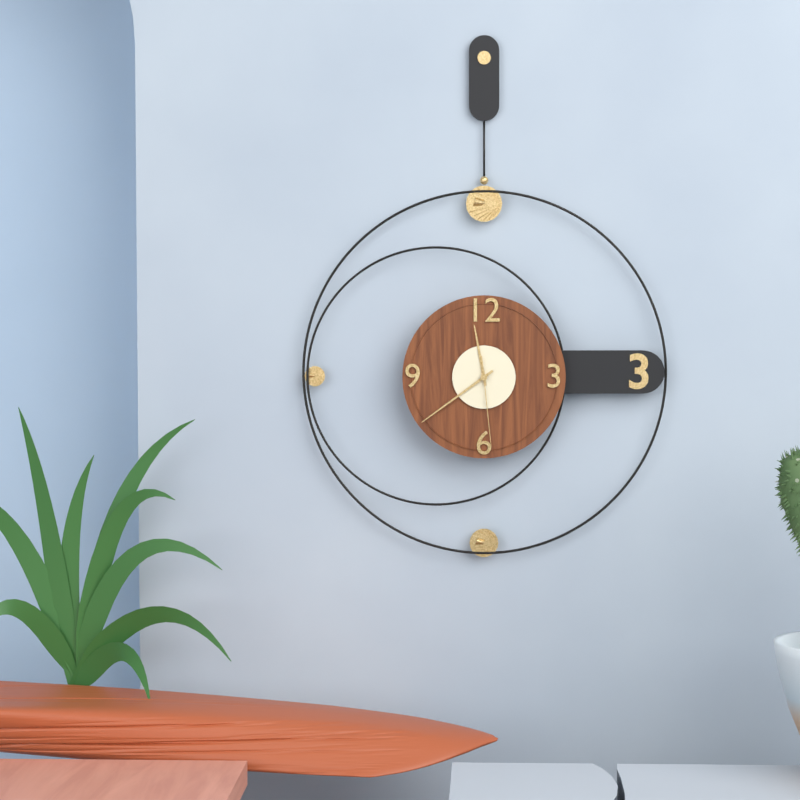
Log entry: **11:39:29**
